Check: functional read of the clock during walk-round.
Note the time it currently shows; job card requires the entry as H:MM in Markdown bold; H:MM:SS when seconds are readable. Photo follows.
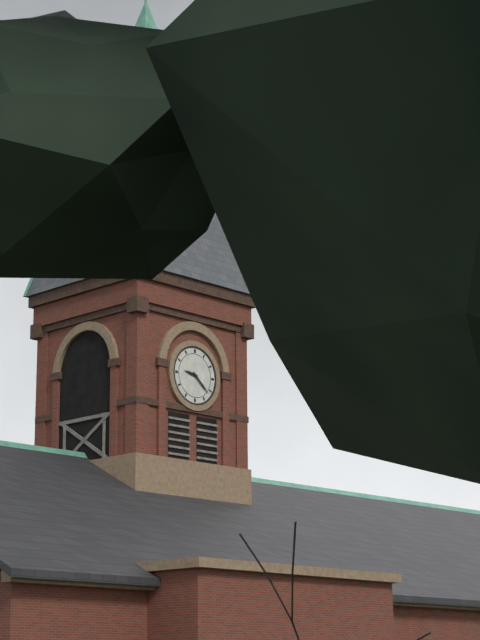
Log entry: **9:22**
